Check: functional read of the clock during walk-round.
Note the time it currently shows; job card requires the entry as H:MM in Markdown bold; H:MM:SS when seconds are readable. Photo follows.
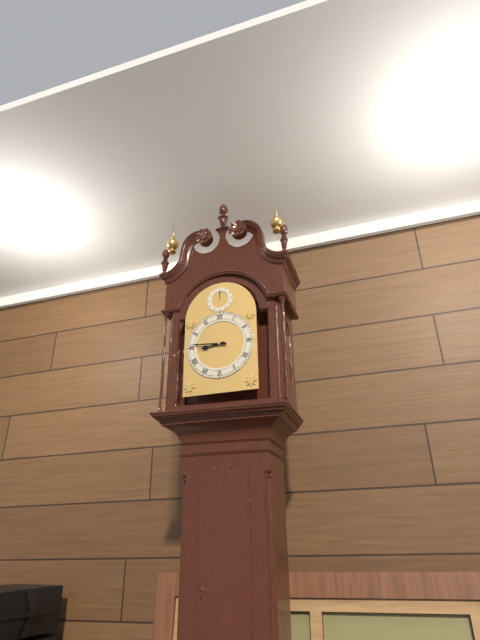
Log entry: **8:46**
